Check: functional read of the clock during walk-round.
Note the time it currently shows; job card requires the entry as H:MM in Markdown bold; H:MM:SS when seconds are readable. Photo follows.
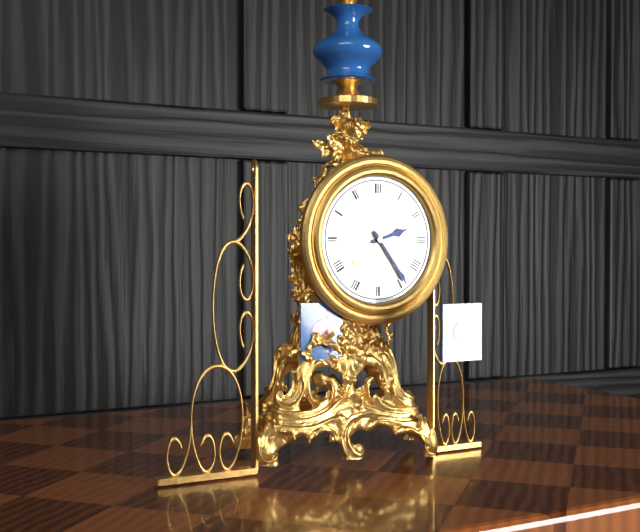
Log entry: **2:24**
